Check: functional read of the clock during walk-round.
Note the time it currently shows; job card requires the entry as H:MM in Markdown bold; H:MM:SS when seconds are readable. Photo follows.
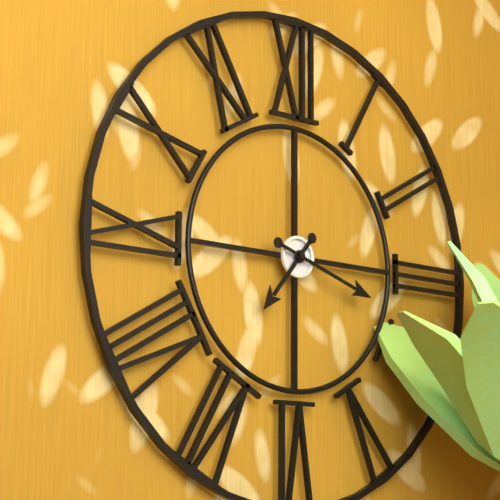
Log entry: **7:18**
